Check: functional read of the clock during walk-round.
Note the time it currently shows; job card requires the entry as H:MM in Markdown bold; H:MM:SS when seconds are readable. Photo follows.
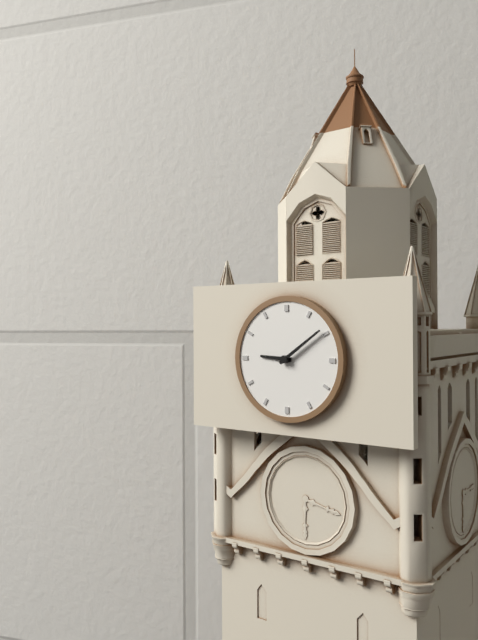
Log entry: **9:09**
